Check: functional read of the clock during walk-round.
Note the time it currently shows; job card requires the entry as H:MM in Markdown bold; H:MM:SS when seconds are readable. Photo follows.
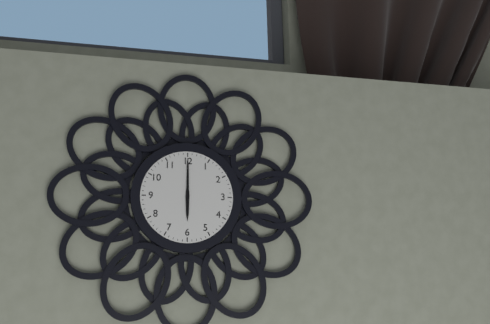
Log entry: **6:00**
